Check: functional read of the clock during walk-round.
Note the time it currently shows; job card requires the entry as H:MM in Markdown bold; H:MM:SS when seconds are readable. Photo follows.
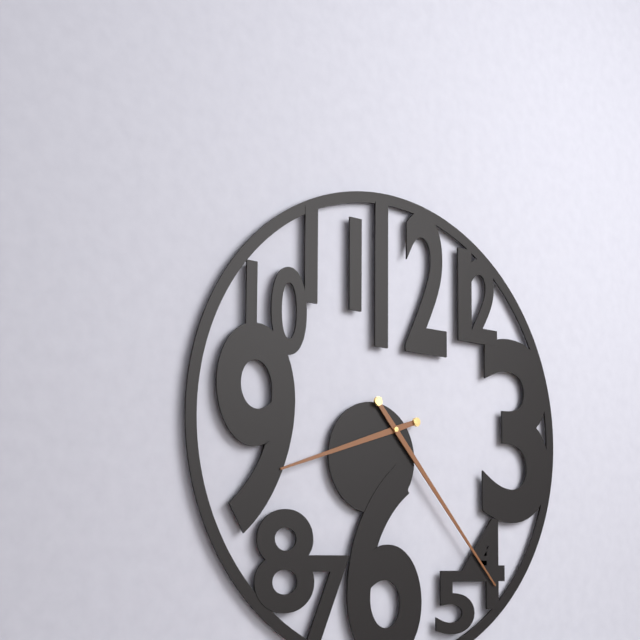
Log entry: **8:23**
